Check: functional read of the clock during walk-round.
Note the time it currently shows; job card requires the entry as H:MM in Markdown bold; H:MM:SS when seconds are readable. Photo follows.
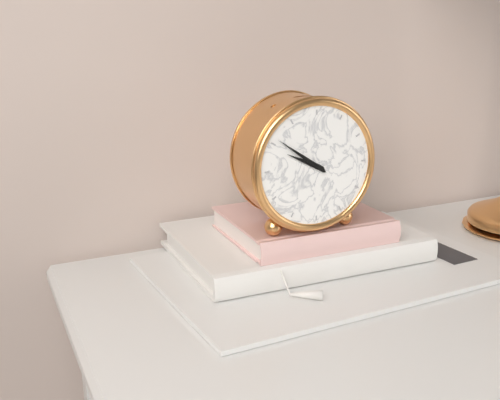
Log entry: **9:51**
